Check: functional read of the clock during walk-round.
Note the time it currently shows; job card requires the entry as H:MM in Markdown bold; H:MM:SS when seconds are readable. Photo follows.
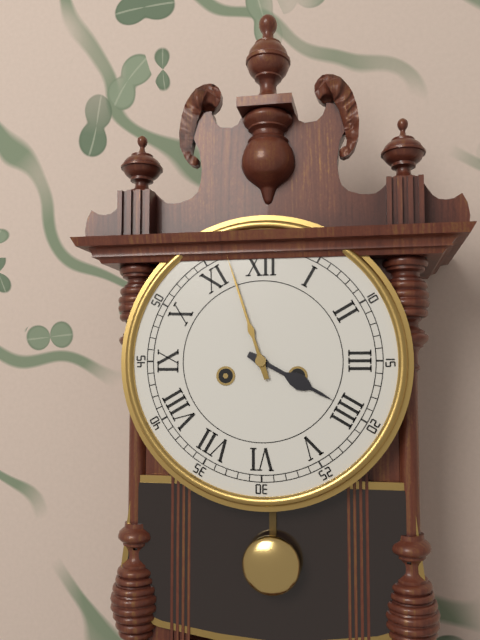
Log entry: **3:57**
